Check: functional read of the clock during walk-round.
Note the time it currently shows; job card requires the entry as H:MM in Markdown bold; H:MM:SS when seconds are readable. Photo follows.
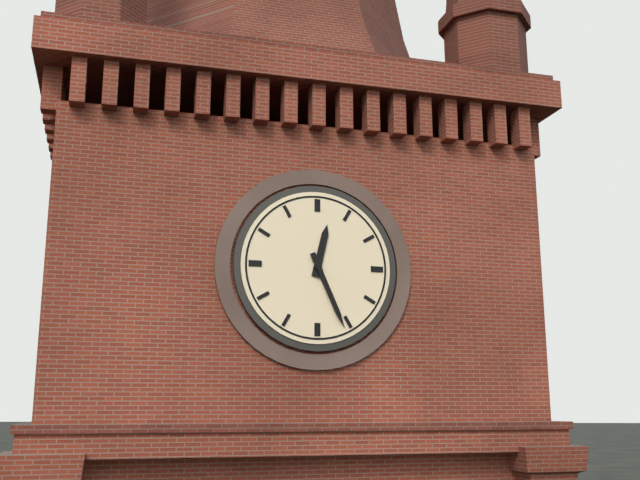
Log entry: **12:26**
